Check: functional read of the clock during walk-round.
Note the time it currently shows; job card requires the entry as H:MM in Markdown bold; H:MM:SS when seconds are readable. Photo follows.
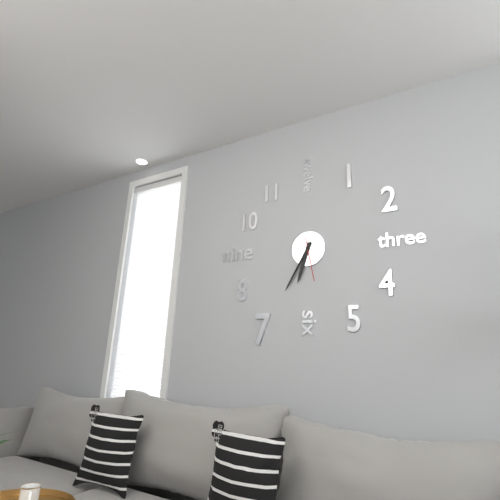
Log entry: **6:35**
